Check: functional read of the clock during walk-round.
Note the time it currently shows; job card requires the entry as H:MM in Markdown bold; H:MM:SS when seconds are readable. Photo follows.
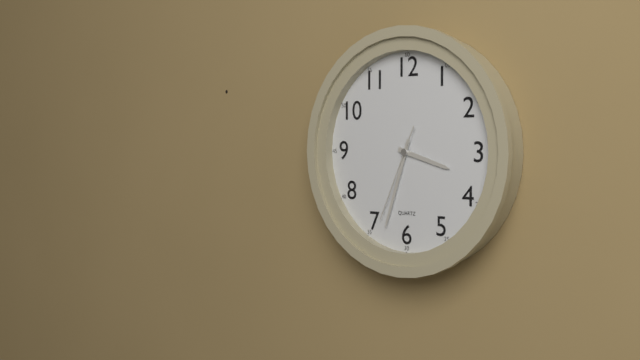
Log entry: **3:33:34**
